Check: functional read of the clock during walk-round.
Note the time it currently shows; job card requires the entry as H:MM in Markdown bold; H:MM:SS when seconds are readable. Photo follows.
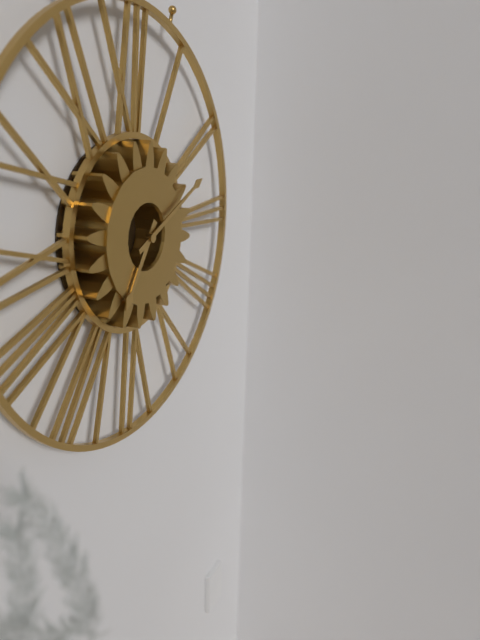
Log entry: **7:11**
